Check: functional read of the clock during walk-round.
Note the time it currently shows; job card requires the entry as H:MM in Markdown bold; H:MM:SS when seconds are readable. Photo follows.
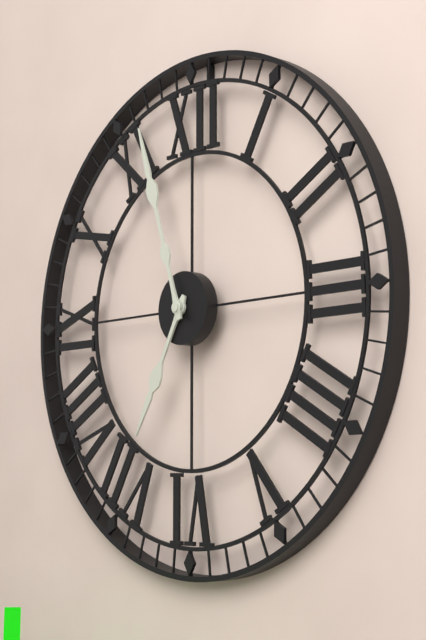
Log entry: **6:57**
